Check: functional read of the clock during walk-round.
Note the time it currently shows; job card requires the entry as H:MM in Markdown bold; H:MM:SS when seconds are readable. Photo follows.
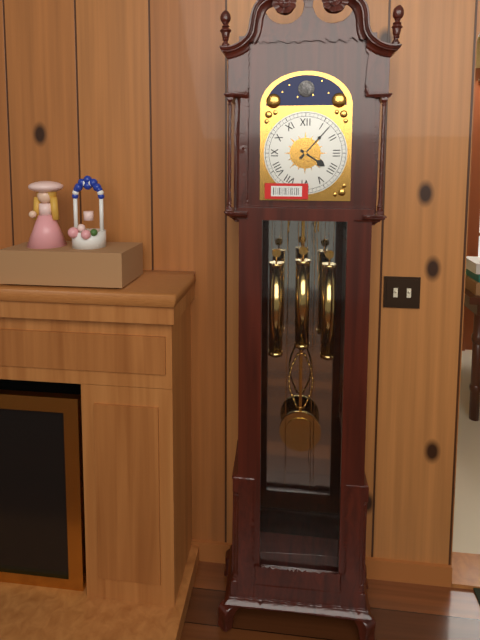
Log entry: **4:07**
